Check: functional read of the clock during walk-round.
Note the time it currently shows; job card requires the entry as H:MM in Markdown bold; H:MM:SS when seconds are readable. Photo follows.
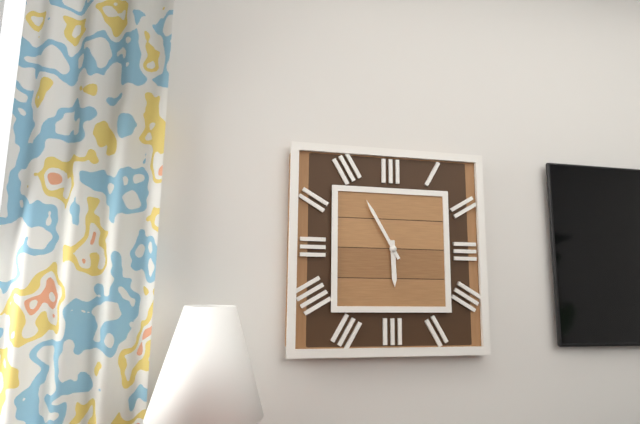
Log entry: **5:55**
